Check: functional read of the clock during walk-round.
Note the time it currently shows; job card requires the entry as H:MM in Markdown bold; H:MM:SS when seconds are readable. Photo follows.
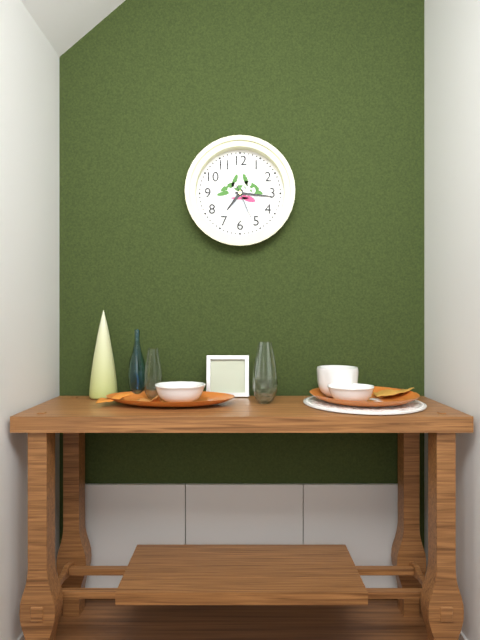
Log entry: **7:16**
